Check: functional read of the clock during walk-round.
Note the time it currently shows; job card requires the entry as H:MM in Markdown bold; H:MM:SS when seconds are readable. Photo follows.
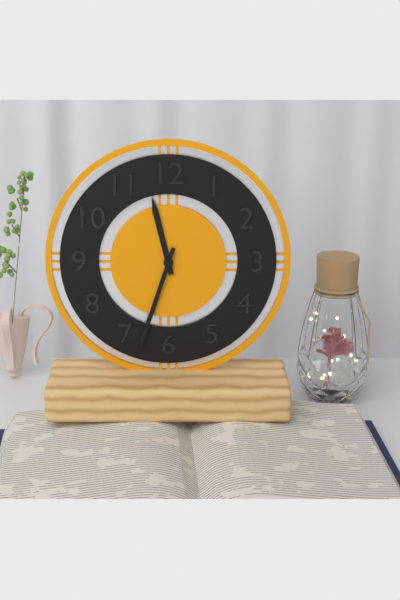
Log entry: **11:33**
